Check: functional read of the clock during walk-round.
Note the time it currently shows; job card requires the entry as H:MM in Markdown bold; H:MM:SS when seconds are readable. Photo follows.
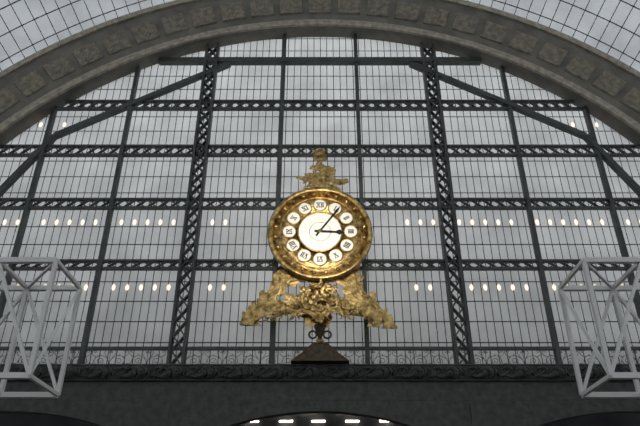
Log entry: **3:06**
